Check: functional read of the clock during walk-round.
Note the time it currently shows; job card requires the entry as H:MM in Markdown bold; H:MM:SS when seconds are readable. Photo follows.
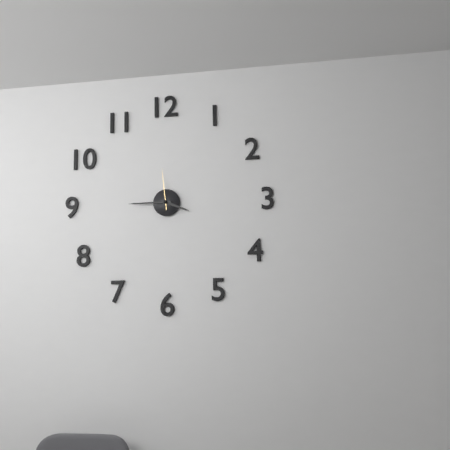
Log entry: **3:45**
